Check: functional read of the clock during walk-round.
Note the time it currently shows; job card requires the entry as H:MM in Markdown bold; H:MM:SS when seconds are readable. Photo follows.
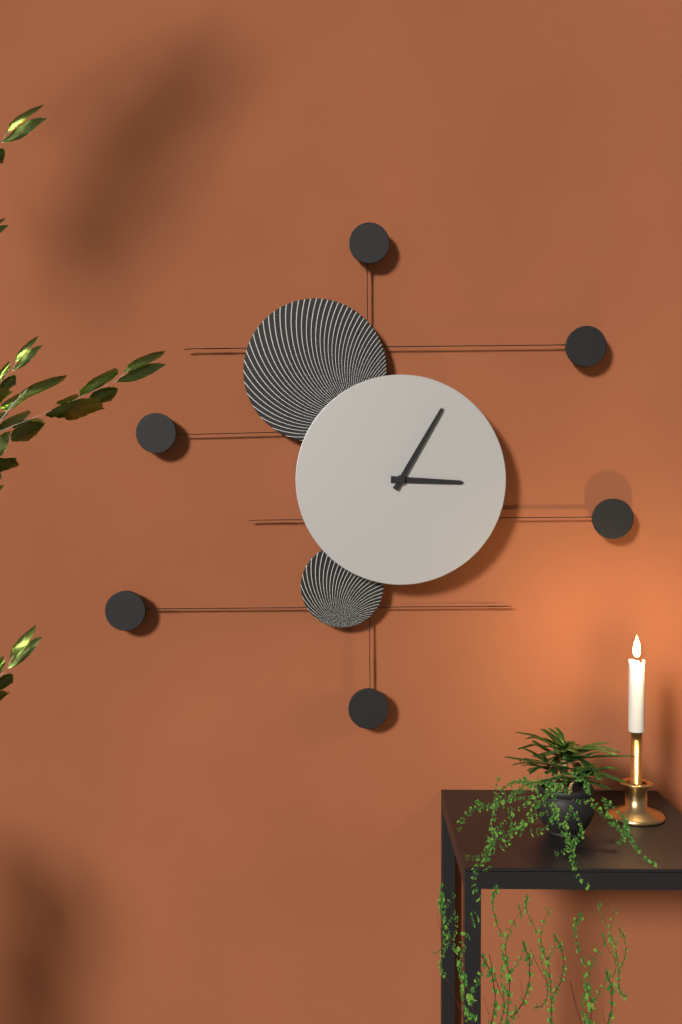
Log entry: **3:05**
